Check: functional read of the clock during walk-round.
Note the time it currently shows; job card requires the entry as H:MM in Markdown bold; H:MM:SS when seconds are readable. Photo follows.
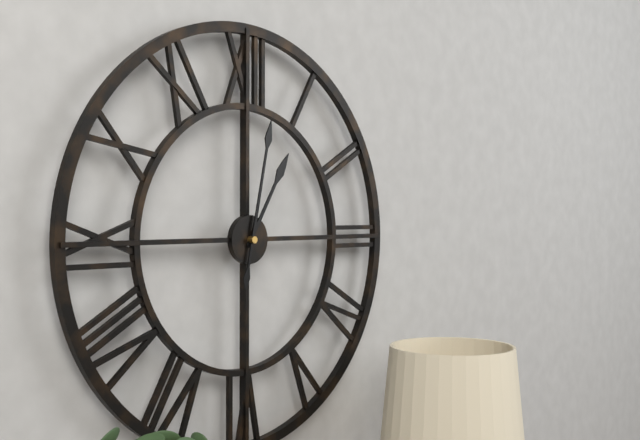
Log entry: **1:02**
